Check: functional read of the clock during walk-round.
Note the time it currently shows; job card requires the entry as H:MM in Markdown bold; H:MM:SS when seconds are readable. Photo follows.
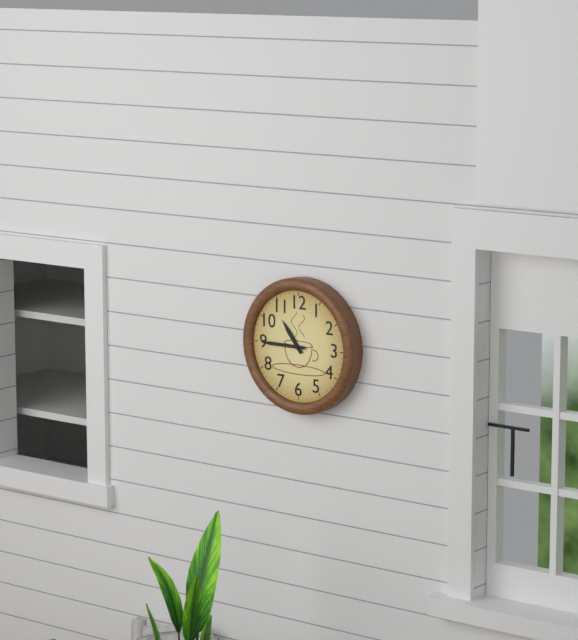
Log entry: **10:45**
